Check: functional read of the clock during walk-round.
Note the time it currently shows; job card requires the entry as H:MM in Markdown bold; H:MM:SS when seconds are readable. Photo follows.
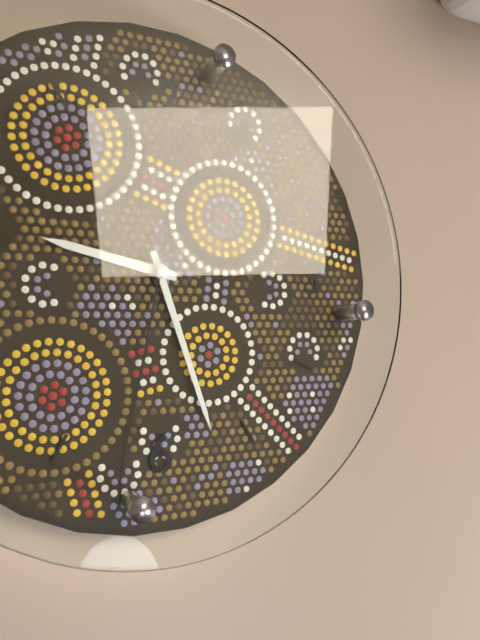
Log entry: **9:27:32**
